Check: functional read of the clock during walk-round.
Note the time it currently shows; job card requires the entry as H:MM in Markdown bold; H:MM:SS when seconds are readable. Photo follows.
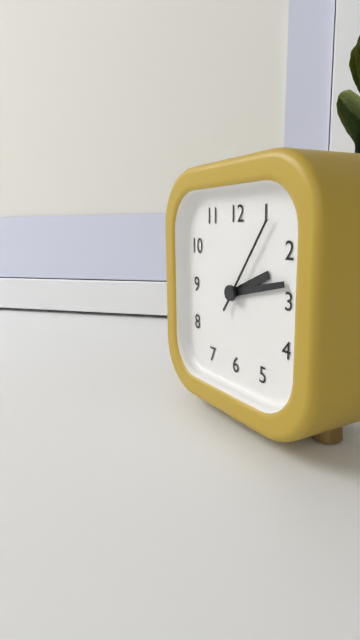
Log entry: **2:13:06**
